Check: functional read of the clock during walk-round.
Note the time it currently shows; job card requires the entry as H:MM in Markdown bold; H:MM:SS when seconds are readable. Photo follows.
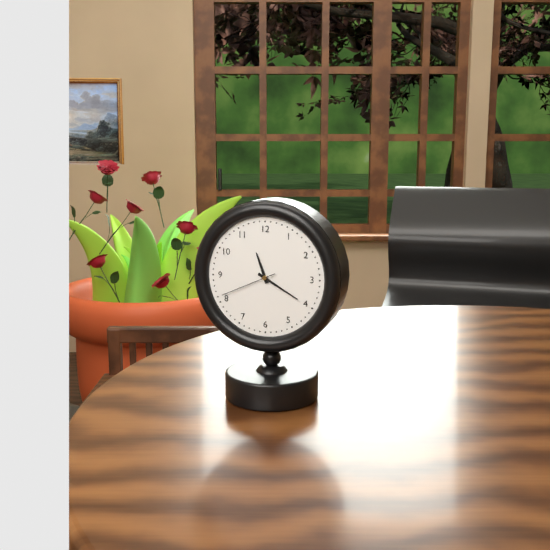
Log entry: **11:20:41**
